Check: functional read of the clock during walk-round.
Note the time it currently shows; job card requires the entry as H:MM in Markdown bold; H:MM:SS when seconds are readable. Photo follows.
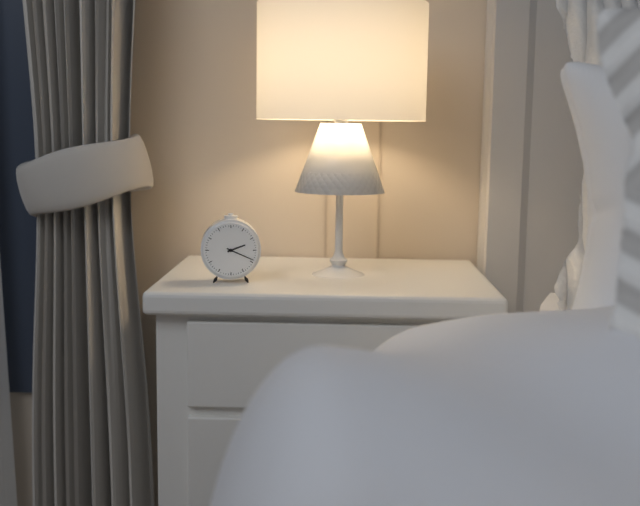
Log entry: **2:19**
